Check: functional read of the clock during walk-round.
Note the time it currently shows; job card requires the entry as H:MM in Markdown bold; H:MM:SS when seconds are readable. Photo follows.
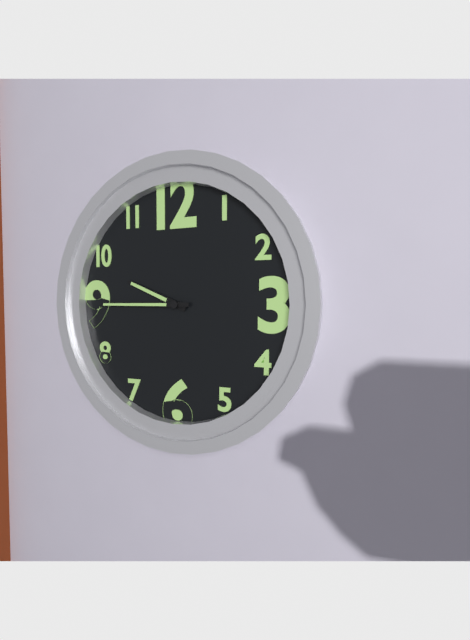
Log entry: **9:45**
